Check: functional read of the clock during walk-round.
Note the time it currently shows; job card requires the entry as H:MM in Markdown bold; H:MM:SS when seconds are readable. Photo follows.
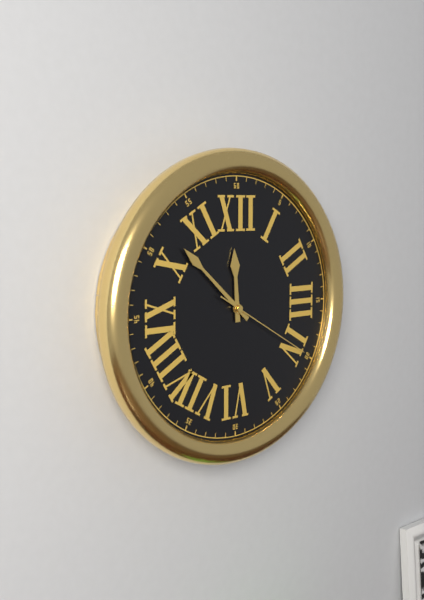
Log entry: **11:52:20**
